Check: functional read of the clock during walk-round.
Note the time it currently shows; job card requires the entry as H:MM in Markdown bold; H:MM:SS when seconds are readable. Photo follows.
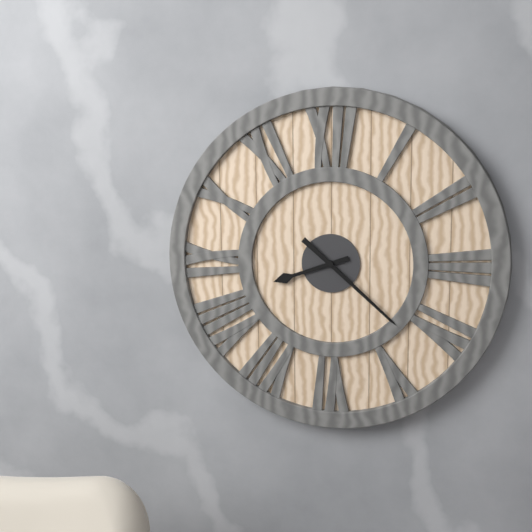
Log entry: **8:22**
